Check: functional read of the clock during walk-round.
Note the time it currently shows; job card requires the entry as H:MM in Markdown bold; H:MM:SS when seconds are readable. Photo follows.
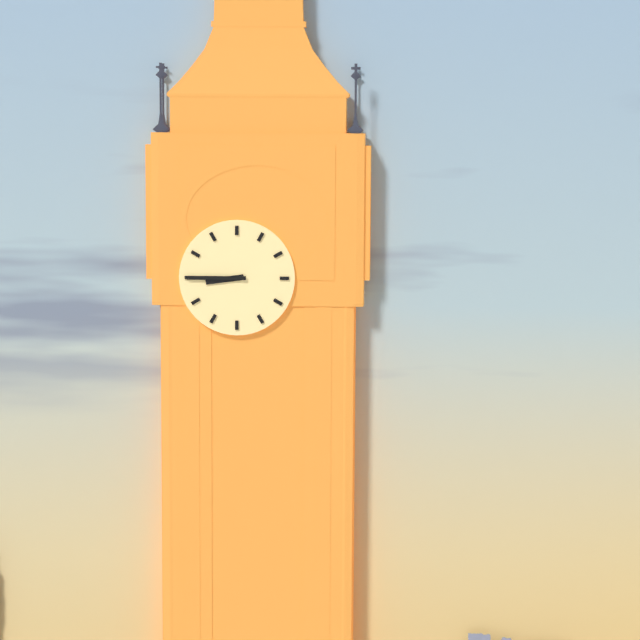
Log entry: **8:45**
